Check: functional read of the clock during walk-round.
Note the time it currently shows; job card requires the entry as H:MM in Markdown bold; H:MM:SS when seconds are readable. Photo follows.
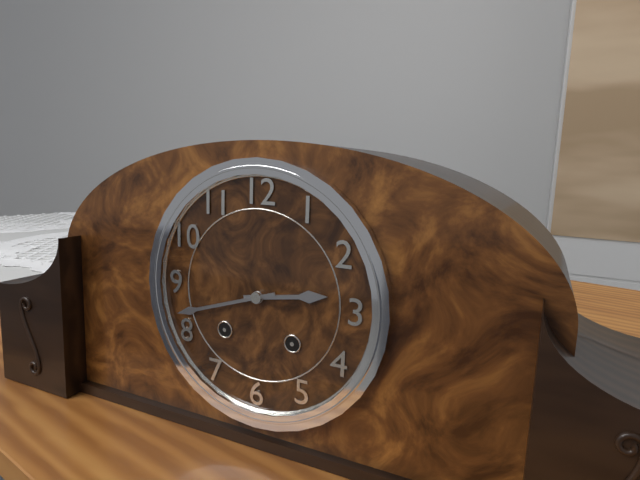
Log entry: **2:42**
